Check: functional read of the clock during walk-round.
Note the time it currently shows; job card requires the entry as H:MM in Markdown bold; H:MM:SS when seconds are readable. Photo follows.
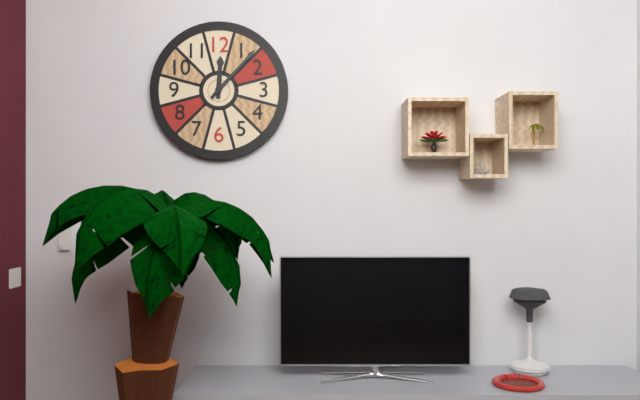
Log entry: **12:07**
